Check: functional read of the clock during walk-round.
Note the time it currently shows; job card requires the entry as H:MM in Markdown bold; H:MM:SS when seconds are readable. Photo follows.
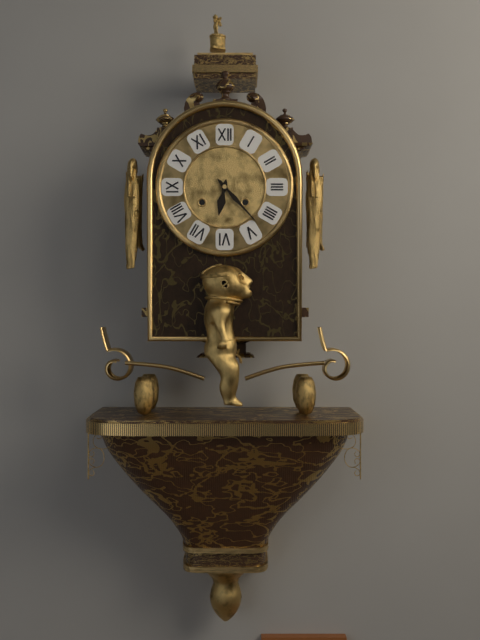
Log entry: **6:23**
